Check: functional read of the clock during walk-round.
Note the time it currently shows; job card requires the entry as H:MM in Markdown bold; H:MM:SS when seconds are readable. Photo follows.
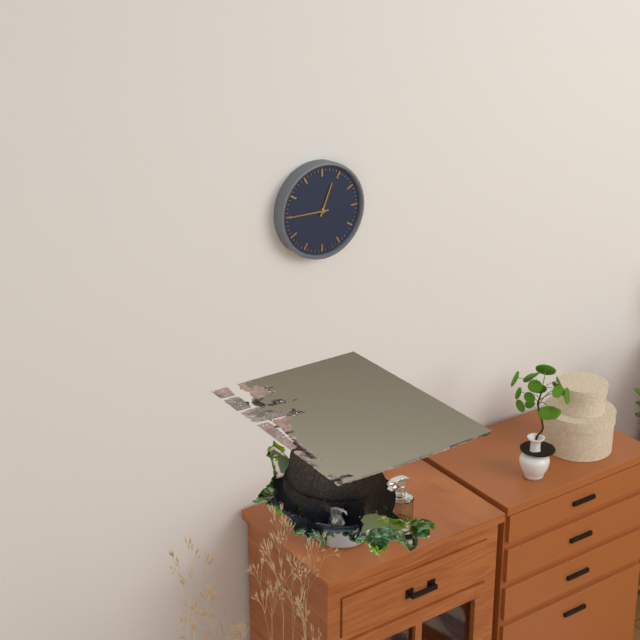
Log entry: **12:45**
